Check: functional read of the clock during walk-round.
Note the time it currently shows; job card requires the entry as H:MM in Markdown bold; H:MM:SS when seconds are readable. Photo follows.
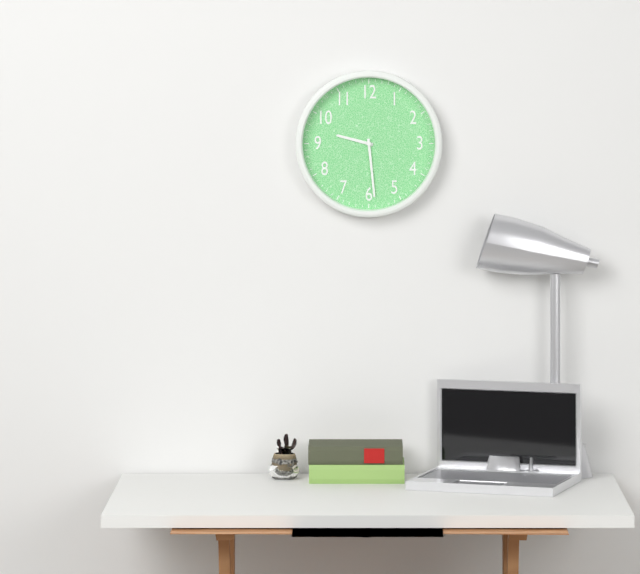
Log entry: **9:29**
